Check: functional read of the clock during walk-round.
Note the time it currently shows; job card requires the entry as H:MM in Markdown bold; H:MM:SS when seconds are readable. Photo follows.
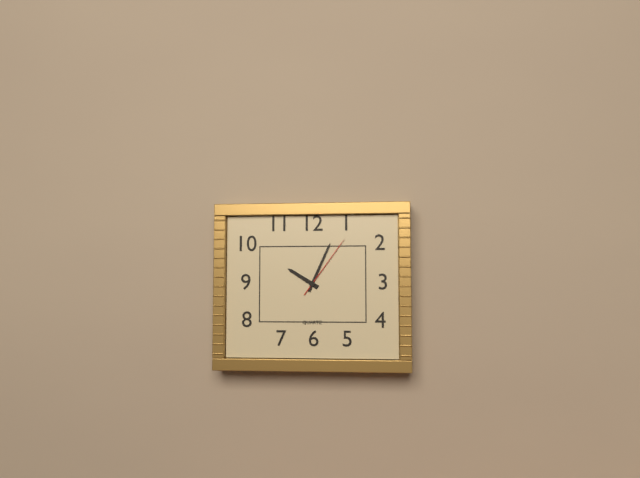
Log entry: **10:04:06**
